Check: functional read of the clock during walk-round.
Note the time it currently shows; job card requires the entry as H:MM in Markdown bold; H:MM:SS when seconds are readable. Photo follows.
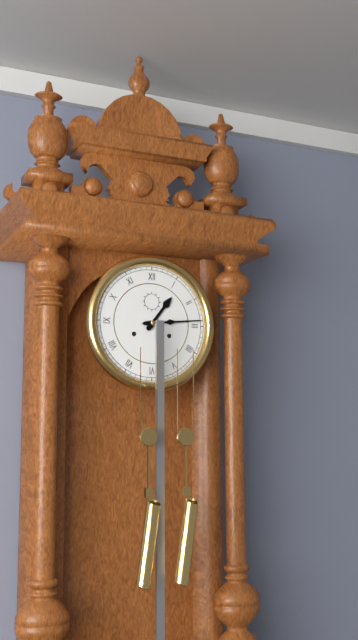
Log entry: **1:14**
